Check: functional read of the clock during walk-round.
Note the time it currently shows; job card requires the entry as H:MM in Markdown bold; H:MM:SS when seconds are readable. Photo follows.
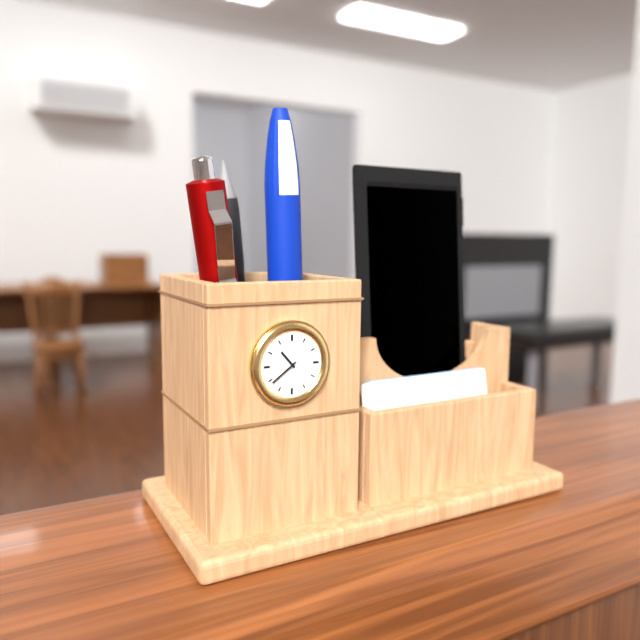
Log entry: **10:39**
